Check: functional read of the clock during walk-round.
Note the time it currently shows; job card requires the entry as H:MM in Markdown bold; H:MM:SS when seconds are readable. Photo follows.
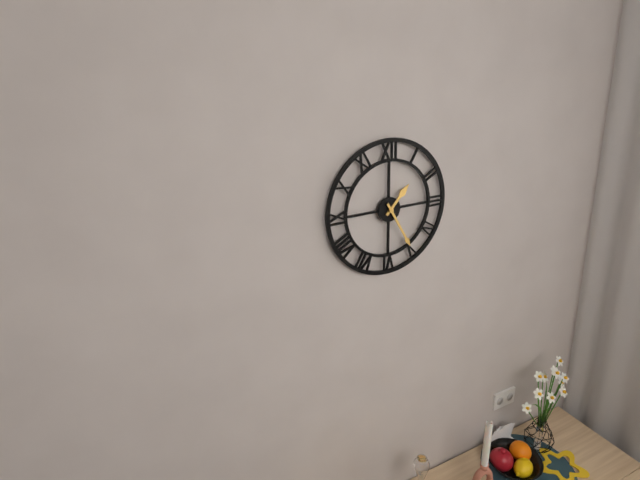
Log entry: **1:25**
